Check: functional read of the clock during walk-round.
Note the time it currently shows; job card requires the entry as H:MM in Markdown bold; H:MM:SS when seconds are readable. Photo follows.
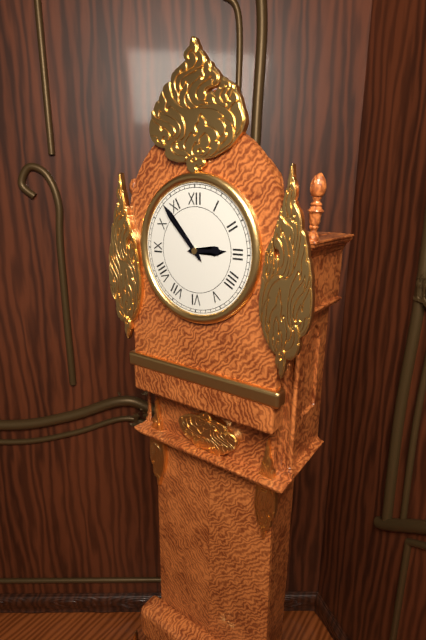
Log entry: **2:53**
